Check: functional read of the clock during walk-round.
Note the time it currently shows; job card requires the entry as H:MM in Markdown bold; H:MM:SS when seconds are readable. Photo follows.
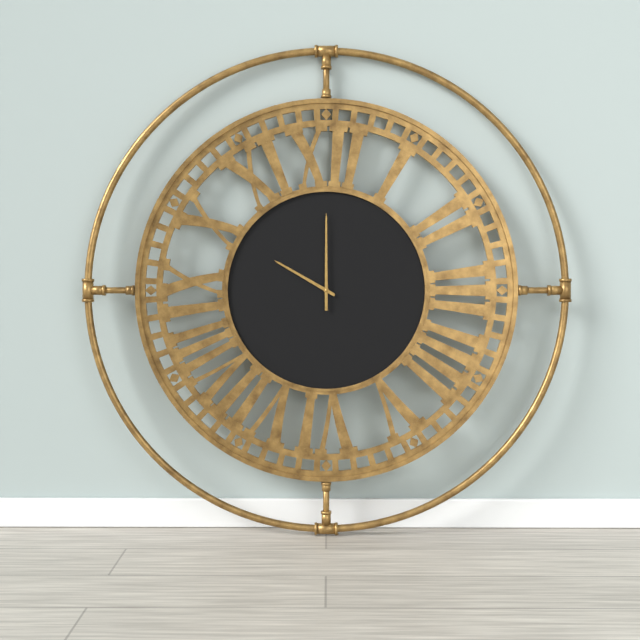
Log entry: **10:00**
